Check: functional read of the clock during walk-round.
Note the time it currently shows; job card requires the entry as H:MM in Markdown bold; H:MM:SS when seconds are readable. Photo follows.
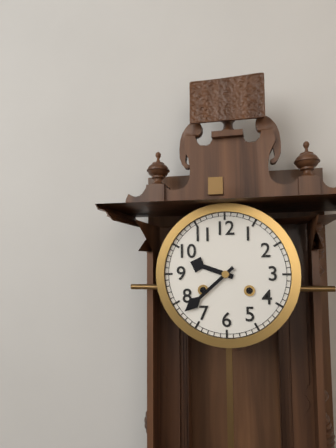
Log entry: **9:38**
